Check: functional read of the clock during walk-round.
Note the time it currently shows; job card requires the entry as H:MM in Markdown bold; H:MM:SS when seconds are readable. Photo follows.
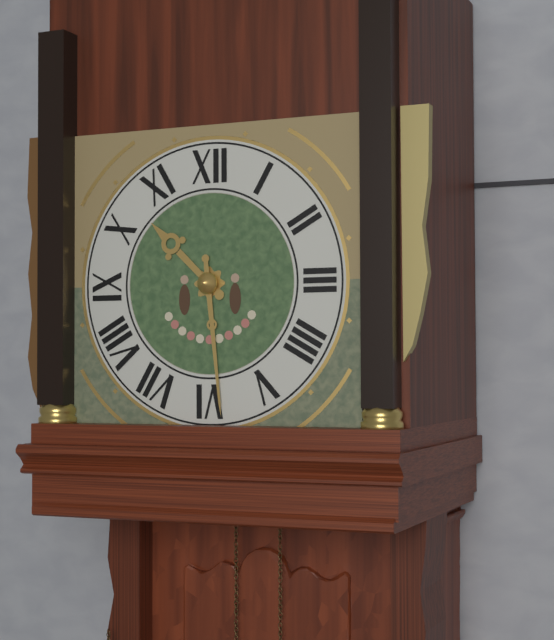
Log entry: **10:29**
